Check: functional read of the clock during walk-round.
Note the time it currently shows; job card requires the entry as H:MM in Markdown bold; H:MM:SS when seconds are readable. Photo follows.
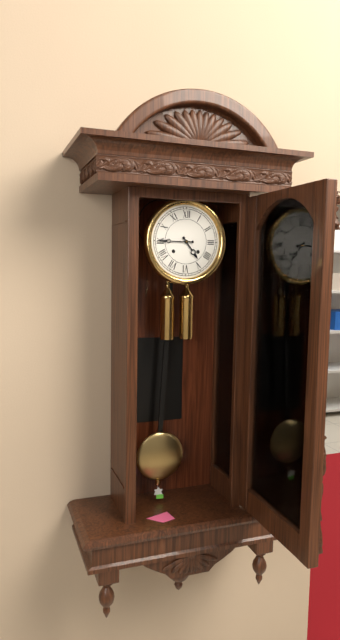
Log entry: **4:45**
